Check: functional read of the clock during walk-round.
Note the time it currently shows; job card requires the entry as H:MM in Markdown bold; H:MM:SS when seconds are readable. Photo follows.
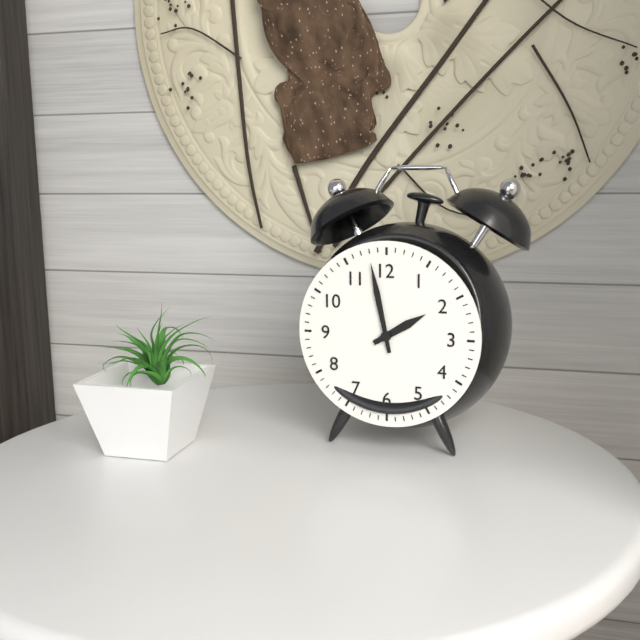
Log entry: **1:58**
